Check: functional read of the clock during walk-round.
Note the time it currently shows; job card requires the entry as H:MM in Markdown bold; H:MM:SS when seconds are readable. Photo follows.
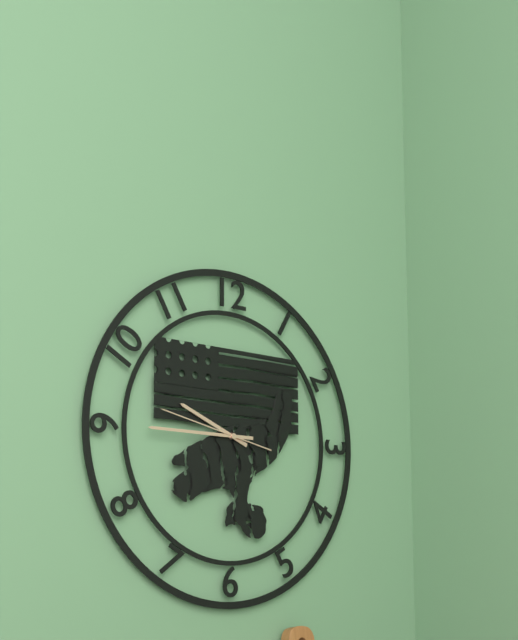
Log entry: **9:45:47**
